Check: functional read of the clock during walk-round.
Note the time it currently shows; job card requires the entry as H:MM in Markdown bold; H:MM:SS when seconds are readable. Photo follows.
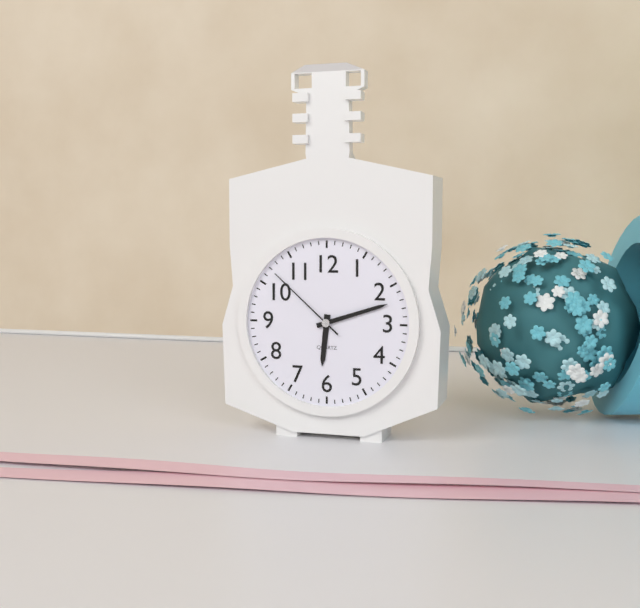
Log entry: **6:12:52**
